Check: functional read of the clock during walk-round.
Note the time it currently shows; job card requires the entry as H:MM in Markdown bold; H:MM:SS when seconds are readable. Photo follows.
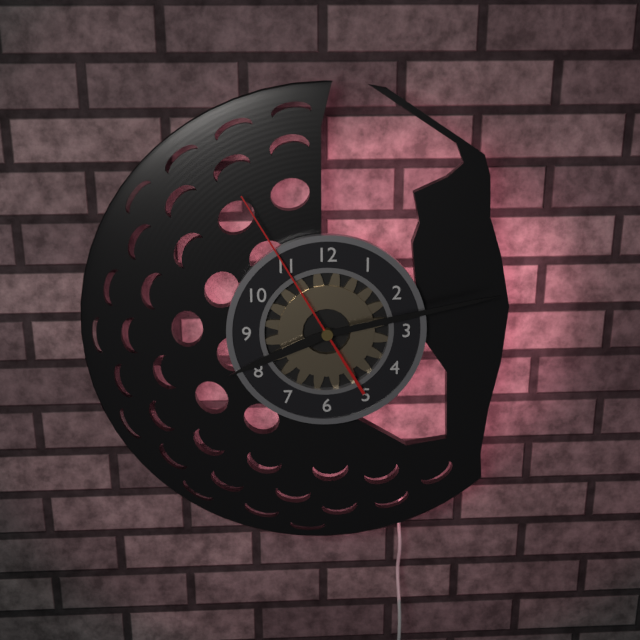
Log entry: **8:13:55**
